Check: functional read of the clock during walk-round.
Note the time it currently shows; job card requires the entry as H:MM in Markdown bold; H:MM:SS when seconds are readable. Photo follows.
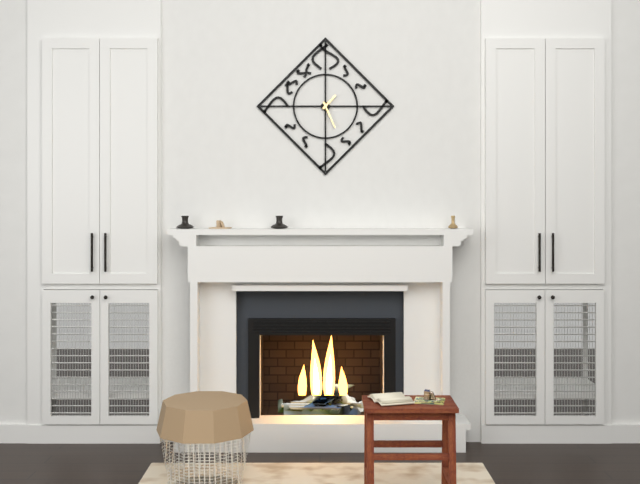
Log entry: **1:26**
